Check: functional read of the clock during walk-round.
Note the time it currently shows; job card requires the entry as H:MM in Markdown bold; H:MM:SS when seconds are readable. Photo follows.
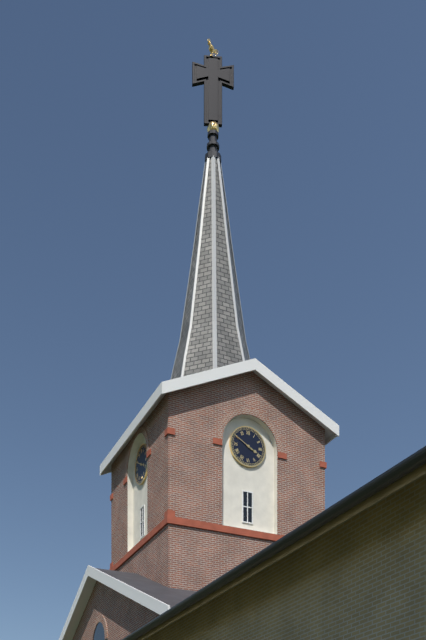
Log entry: **3:50**
